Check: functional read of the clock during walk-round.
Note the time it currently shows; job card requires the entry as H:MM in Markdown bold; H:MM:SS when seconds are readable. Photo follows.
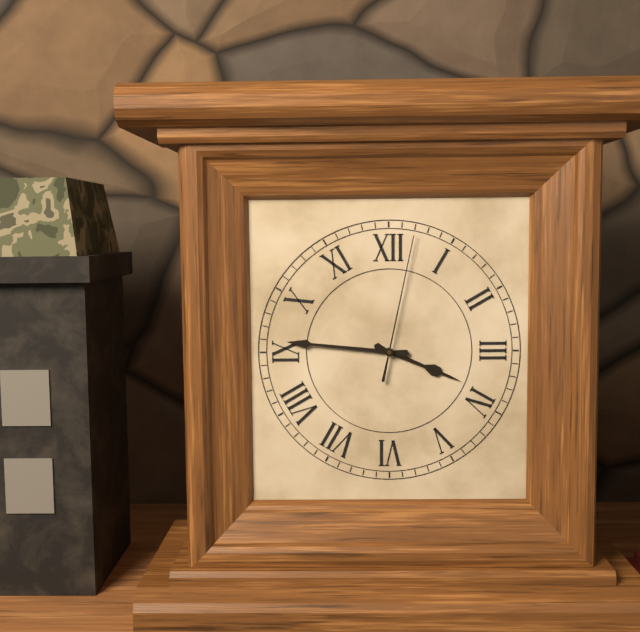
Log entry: **3:46:02**
